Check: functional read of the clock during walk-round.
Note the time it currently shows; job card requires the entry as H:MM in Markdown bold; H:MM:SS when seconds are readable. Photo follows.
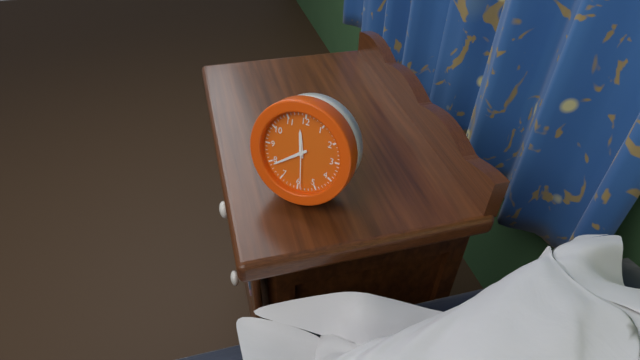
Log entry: **11:39**
